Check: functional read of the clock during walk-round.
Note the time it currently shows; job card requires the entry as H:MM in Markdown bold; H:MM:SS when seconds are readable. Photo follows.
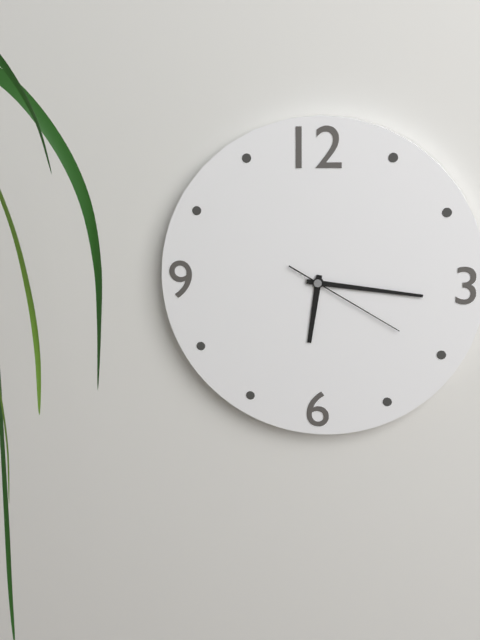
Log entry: **6:16:20**
